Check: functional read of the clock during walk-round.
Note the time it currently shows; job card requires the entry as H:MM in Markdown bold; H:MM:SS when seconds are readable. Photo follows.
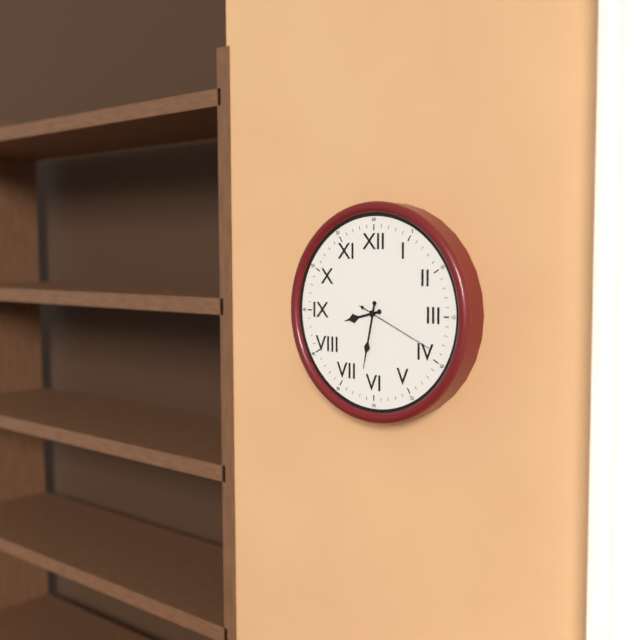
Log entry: **8:32:19**
